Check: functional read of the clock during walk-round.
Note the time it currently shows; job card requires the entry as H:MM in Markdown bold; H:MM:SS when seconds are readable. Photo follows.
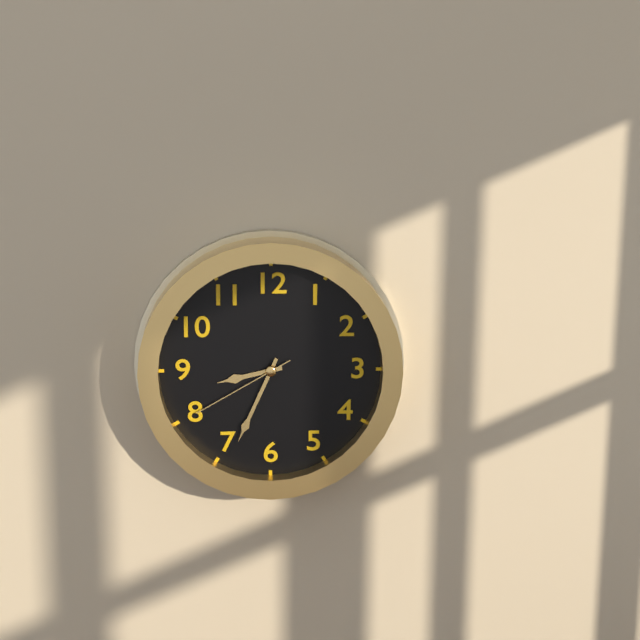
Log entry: **8:34:40**
